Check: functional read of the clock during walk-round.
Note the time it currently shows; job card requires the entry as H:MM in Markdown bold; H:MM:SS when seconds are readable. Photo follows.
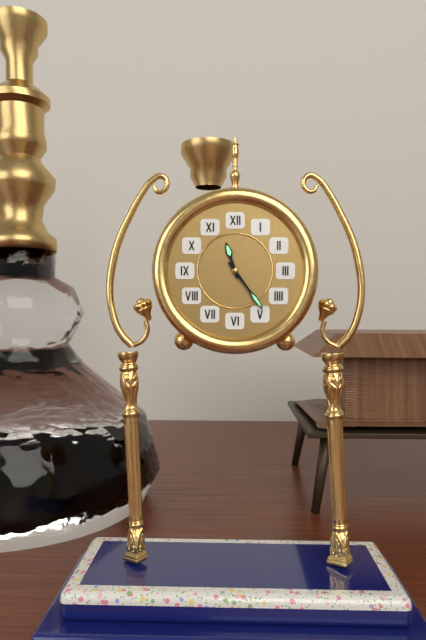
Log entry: **11:24**
